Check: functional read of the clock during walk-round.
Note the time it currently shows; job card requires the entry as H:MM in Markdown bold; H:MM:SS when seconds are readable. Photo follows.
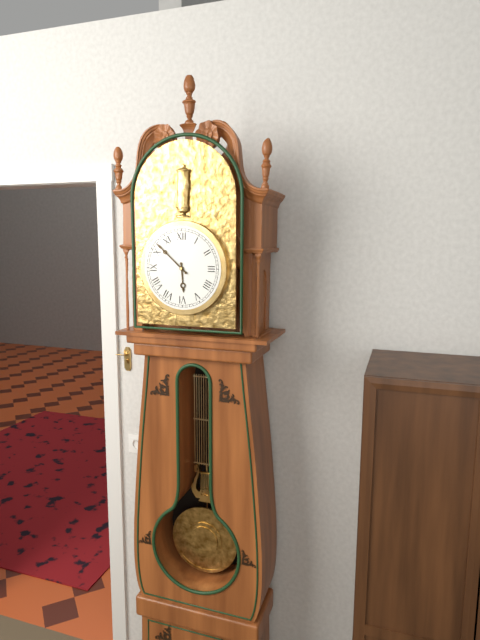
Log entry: **5:52**
